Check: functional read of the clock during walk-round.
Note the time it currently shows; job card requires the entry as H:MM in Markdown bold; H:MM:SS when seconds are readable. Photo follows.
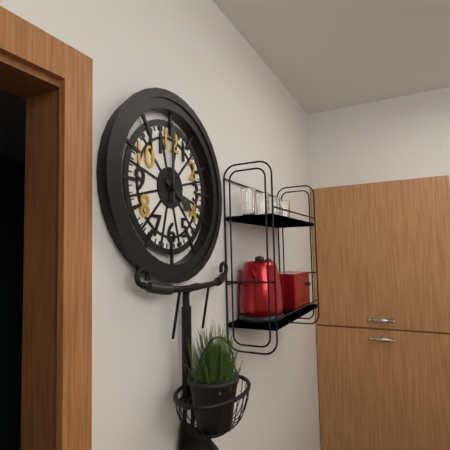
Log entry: **4:00**
